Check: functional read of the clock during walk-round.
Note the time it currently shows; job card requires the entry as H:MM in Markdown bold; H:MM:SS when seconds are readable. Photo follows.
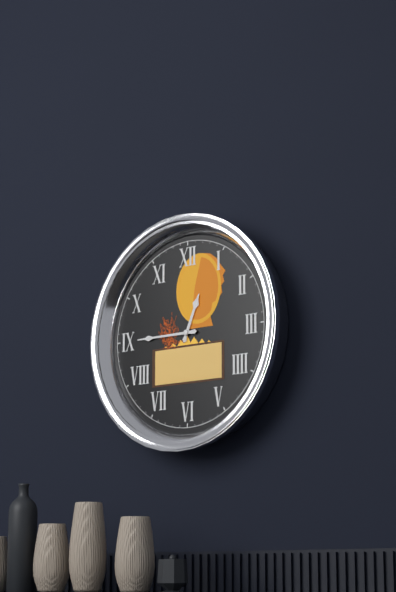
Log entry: **12:45**
